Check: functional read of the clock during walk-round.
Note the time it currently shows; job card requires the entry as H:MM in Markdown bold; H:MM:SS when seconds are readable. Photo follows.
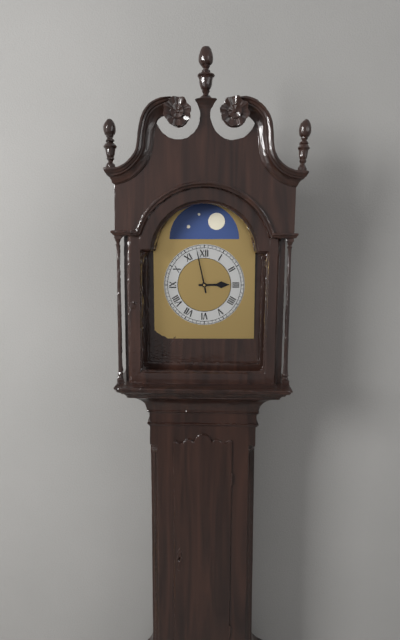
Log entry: **2:58**
